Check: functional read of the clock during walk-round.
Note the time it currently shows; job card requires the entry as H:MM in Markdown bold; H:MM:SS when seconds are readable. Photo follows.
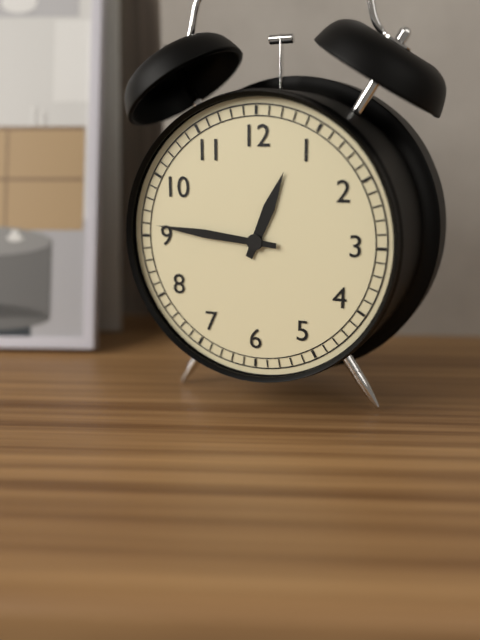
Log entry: **12:46**
